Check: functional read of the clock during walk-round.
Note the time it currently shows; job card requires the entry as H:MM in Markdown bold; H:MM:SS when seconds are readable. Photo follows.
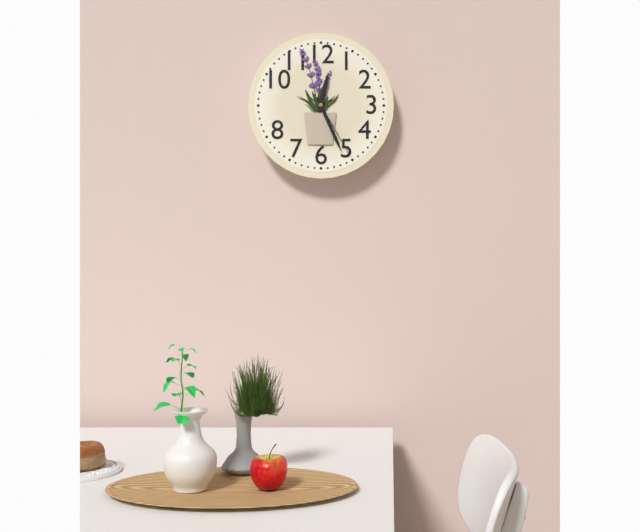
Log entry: **12:26:25**
